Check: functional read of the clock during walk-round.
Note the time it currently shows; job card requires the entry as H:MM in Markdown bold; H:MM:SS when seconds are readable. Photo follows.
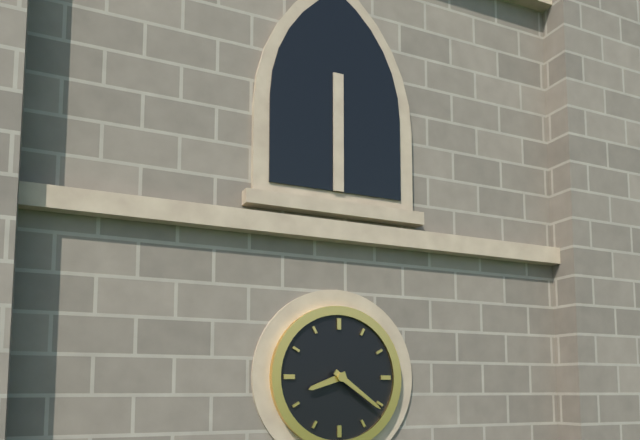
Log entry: **8:21**
